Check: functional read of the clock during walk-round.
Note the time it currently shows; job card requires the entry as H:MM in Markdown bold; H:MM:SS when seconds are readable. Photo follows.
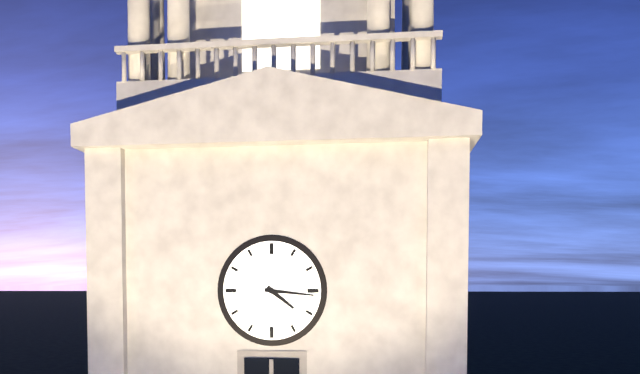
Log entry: **4:16**
